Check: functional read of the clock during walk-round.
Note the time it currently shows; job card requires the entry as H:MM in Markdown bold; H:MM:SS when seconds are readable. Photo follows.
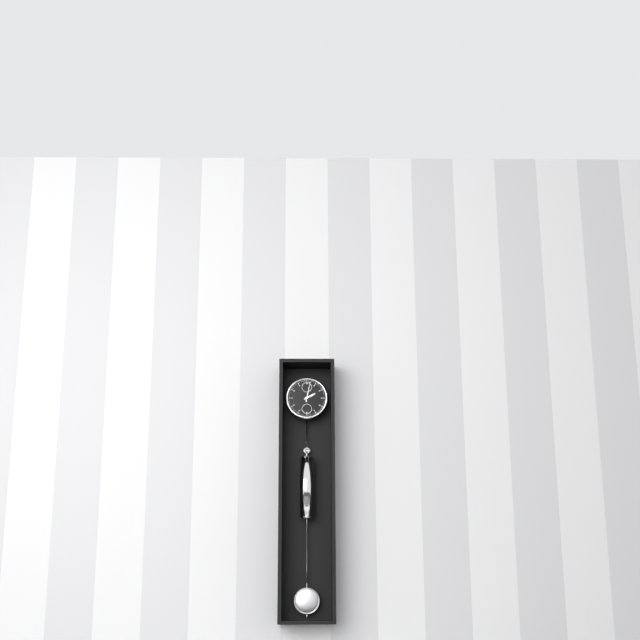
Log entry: **2:02**
